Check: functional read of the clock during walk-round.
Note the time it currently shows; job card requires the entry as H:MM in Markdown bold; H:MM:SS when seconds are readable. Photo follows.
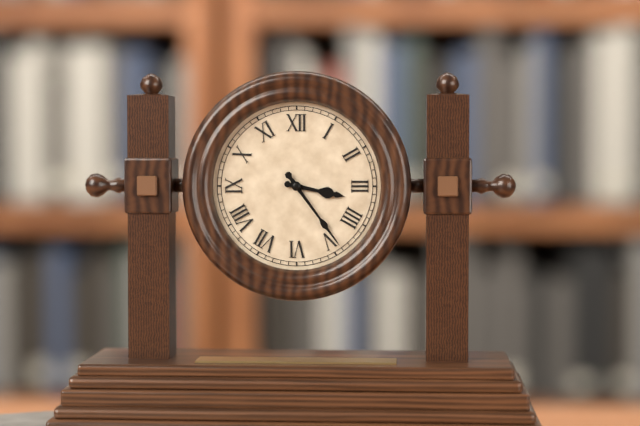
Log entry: **3:24**
